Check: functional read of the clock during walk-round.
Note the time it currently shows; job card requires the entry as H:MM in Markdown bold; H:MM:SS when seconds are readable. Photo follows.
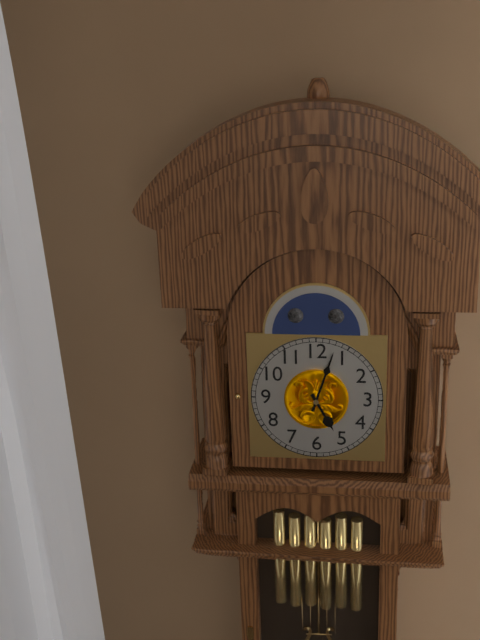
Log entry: **5:03**
